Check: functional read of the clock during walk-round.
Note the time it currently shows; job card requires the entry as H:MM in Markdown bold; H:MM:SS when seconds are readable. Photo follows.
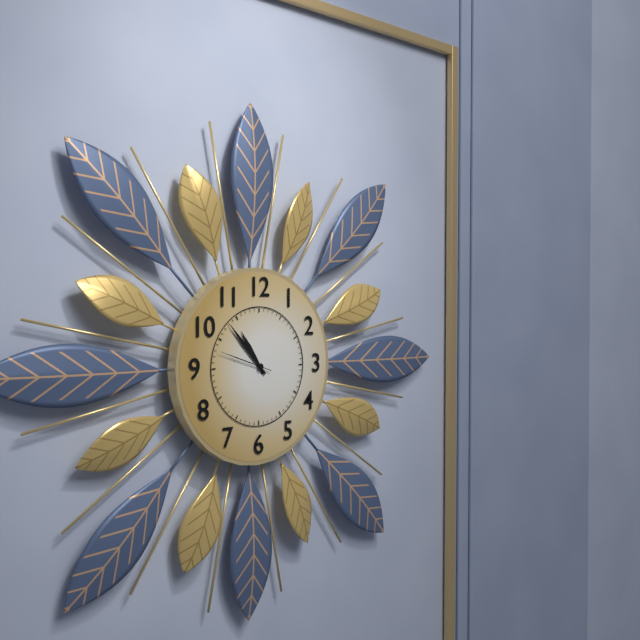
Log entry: **10:53:48**
